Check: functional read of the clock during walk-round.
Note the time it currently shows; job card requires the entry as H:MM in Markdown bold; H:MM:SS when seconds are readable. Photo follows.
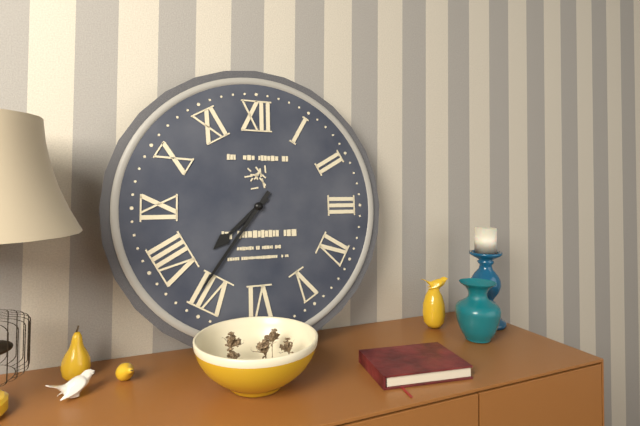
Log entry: **7:36**
